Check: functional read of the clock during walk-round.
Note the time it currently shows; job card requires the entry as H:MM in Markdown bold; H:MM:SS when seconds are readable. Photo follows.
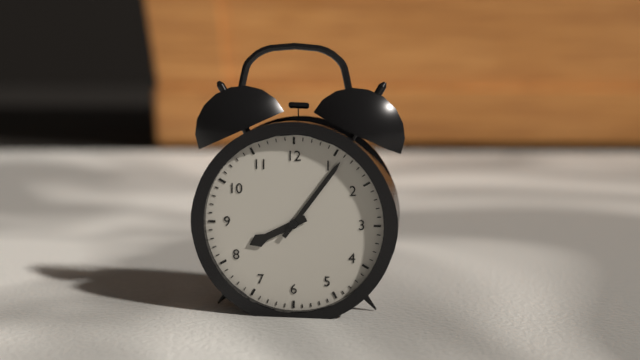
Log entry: **8:06**
